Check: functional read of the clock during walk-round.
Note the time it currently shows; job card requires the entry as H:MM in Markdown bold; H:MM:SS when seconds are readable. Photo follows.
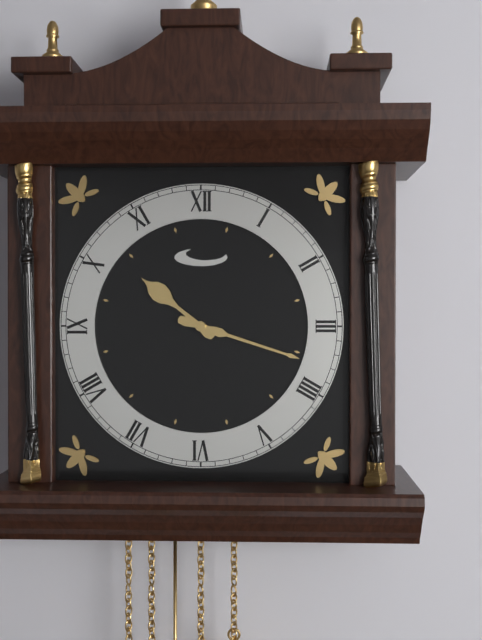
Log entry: **10:18**
